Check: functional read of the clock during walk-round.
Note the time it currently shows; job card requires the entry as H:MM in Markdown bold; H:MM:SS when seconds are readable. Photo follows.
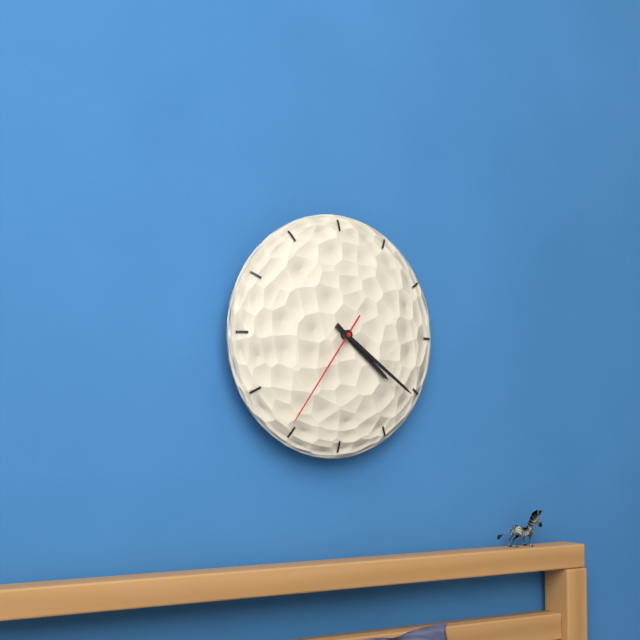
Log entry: **4:21:36**
